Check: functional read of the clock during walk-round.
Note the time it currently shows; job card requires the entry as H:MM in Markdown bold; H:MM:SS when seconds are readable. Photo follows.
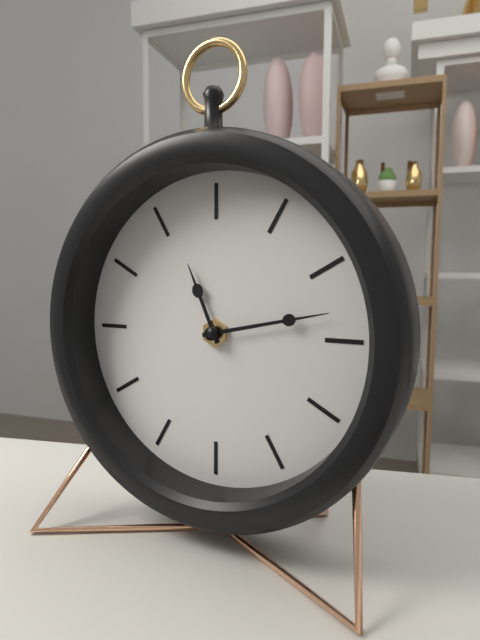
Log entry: **11:13**
